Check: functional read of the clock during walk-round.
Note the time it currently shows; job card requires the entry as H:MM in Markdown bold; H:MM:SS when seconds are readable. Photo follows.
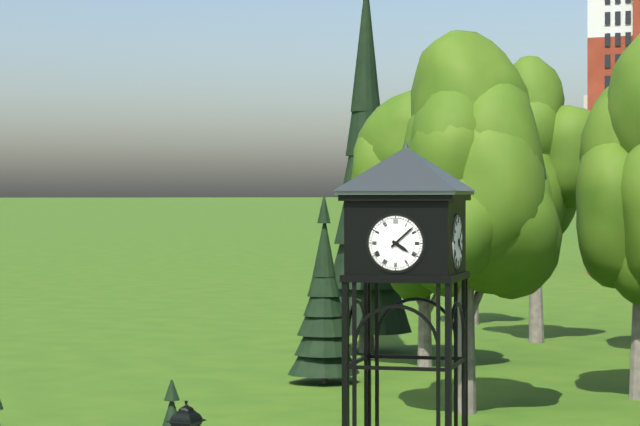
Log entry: **4:08**
